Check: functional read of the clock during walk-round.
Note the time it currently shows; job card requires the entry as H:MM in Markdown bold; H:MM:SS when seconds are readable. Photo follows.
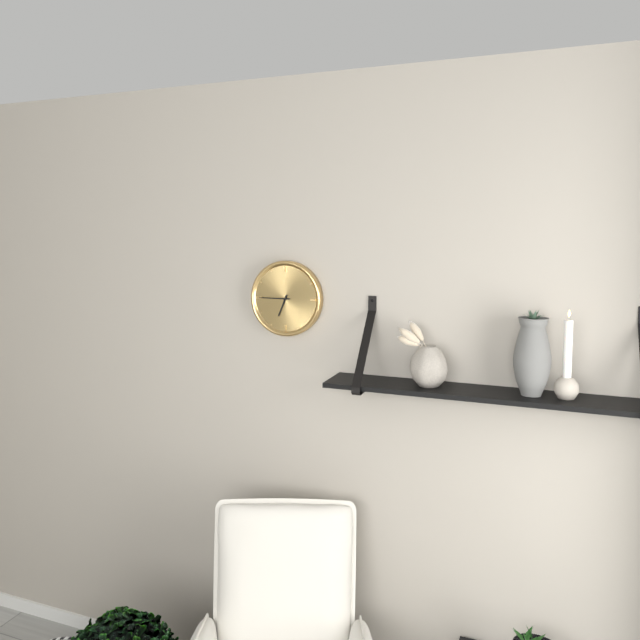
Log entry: **6:45**
